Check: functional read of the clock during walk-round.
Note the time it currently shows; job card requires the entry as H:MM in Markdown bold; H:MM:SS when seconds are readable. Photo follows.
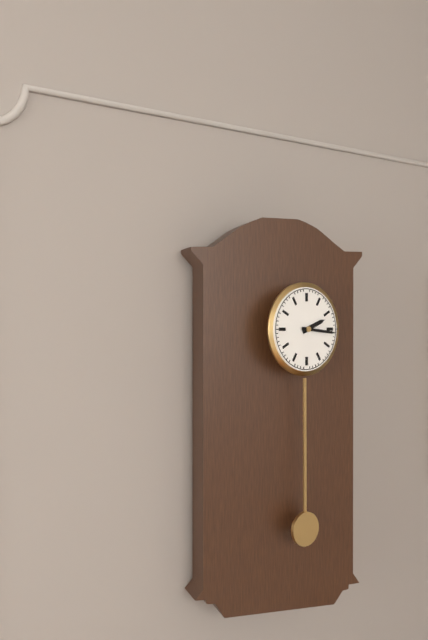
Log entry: **2:16**
